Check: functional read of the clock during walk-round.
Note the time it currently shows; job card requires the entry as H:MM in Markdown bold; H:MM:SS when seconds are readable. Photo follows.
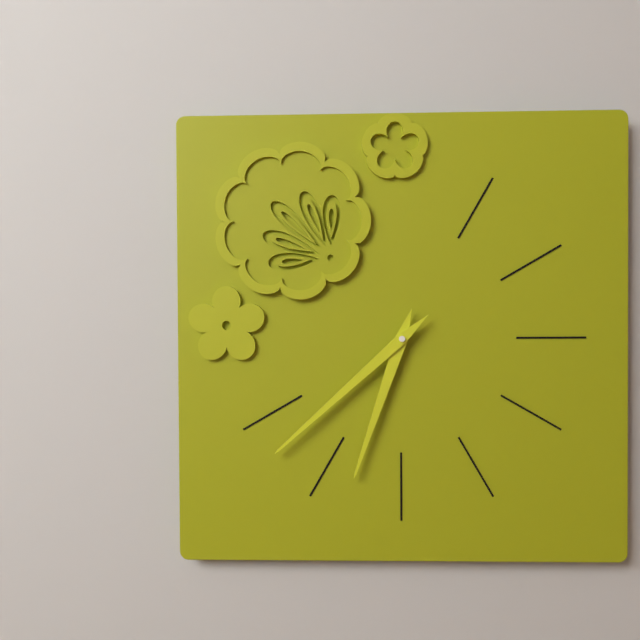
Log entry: **6:38**
